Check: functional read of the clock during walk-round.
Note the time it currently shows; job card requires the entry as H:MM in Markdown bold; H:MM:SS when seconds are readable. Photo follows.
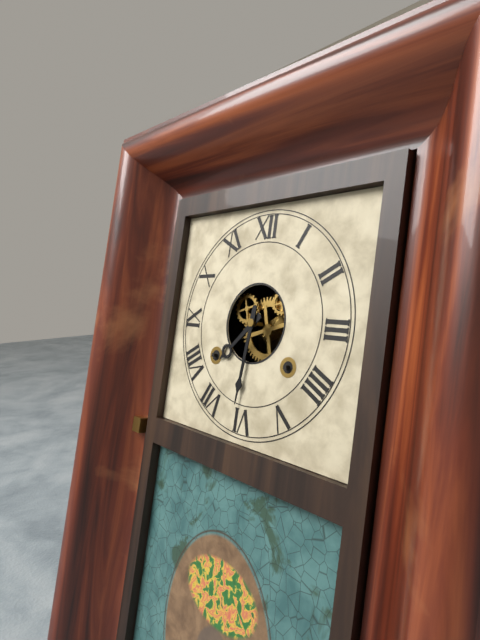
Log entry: **7:31**
